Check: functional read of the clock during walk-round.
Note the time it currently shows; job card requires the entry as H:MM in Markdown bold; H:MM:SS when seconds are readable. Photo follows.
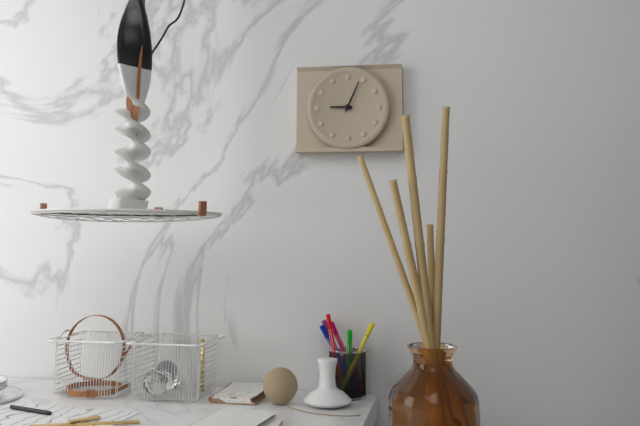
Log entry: **9:04**
